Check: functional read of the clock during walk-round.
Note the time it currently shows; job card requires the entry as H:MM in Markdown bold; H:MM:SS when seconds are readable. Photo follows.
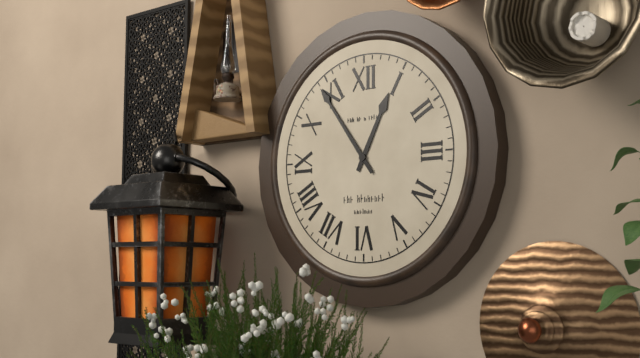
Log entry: **12:54**
